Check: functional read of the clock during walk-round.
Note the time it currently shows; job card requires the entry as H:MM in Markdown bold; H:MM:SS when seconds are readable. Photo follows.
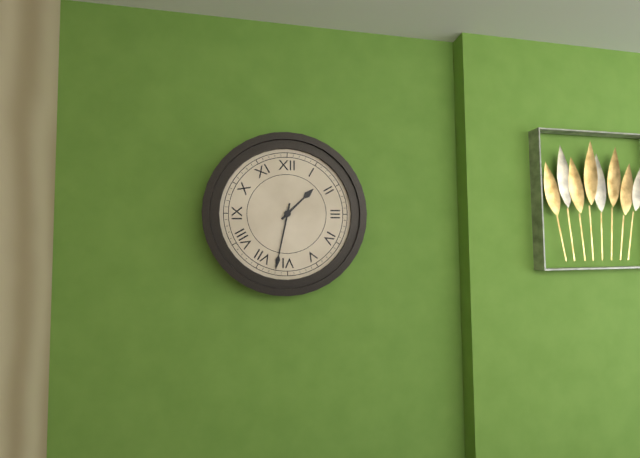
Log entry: **1:32**
